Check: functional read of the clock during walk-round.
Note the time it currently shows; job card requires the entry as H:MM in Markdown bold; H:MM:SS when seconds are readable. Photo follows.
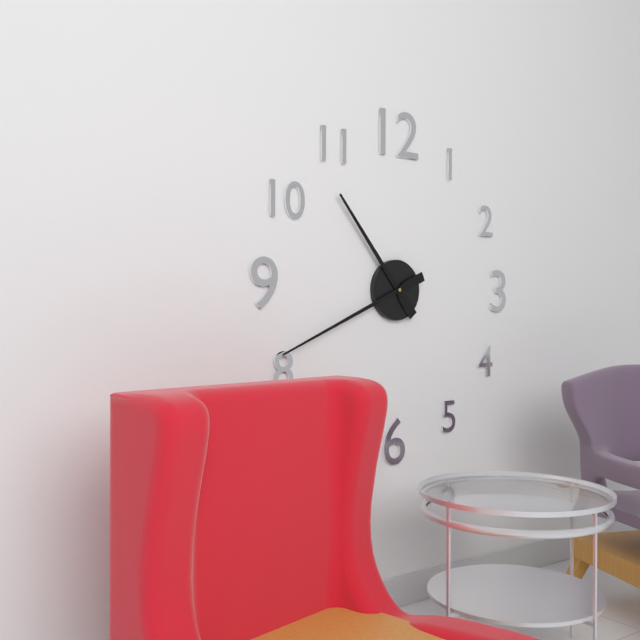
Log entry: **10:41**
